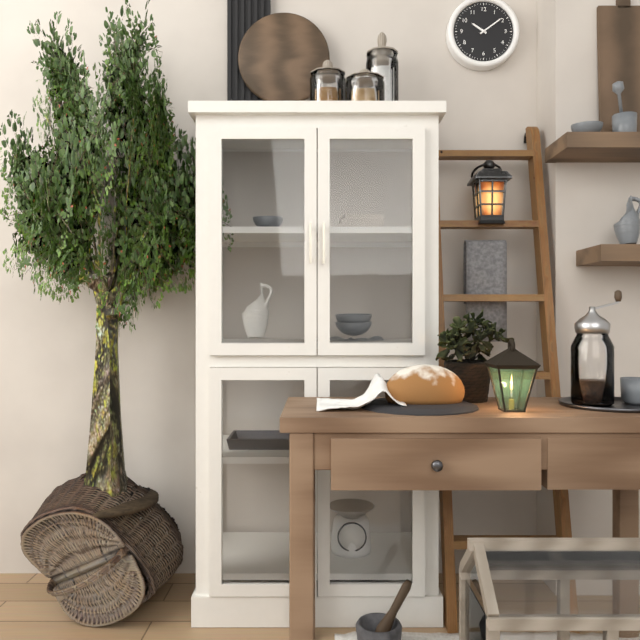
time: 10:09
